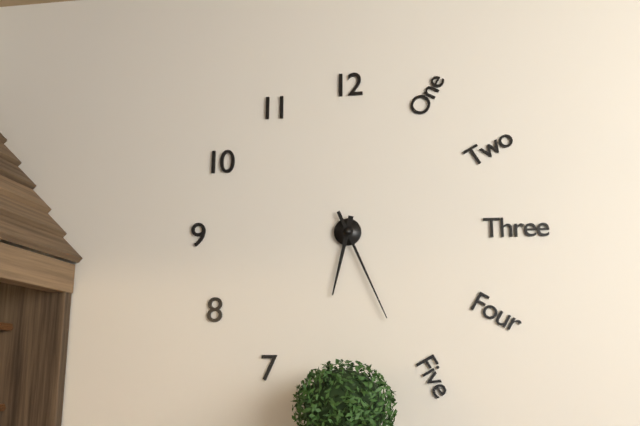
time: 6:26
